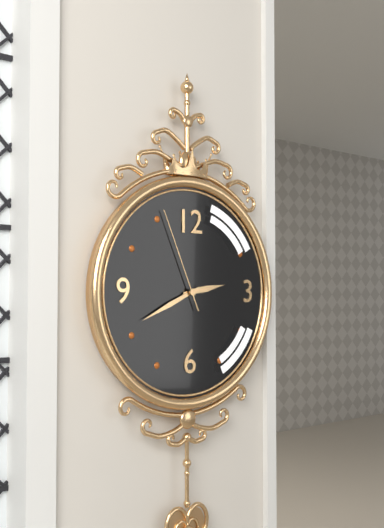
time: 2:41:56
